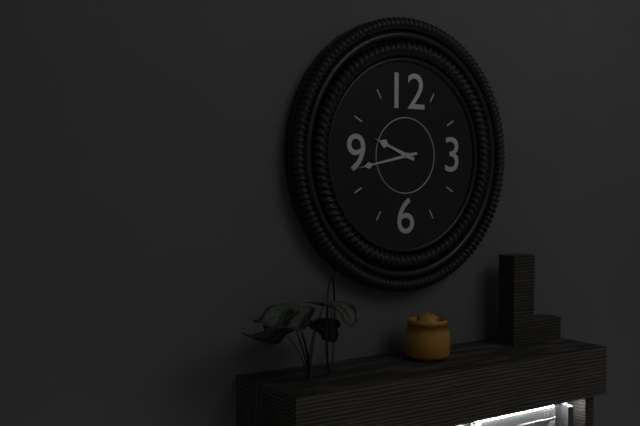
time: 9:43
